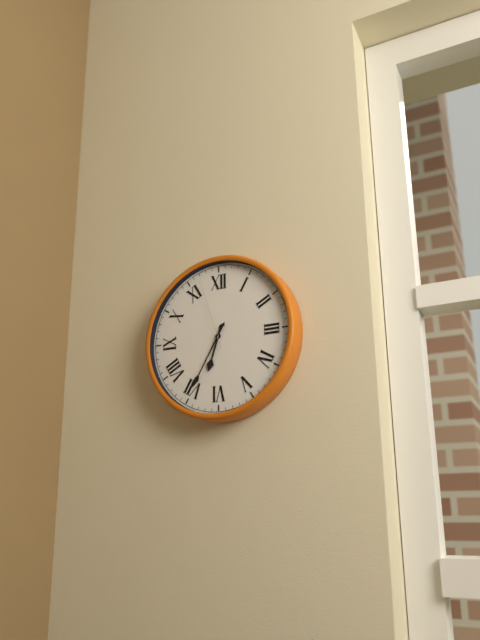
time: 6:35:57
